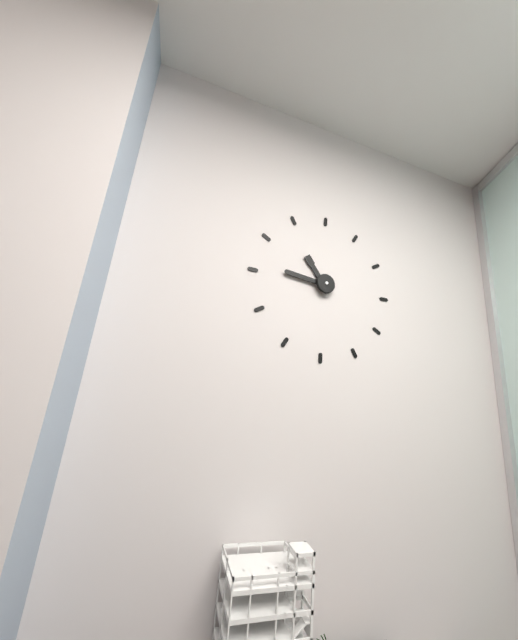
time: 10:46
